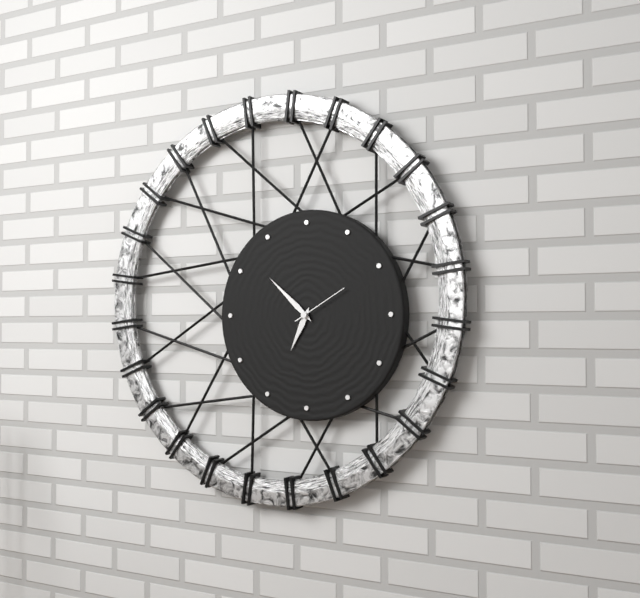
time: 6:52:10
